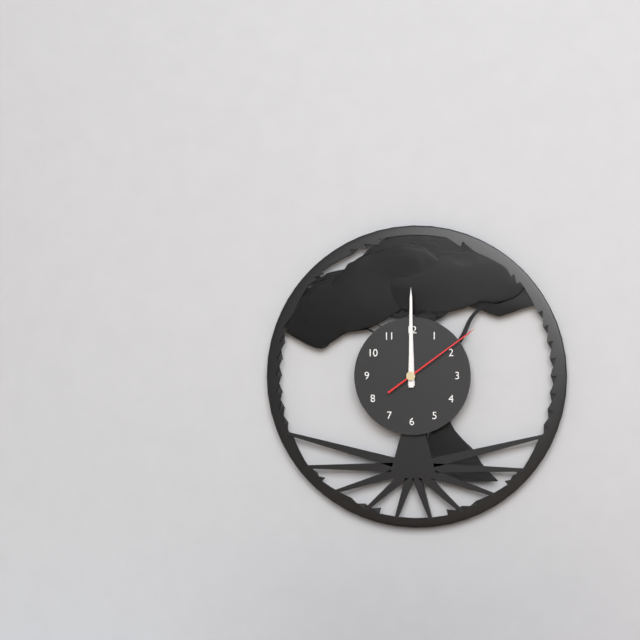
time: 12:00:09
